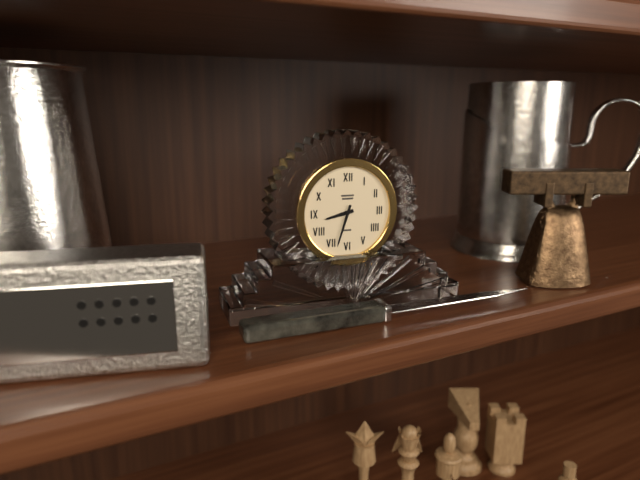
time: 8:33
